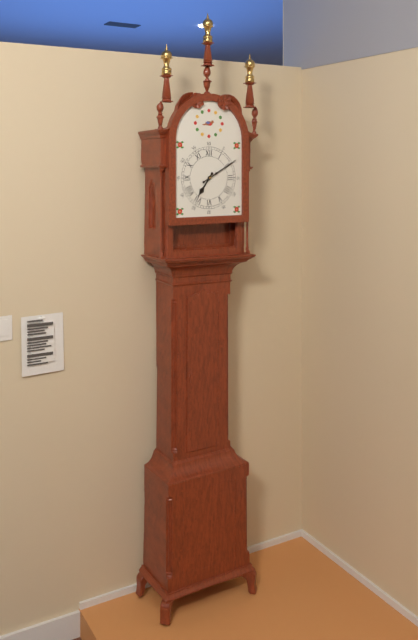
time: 7:10
